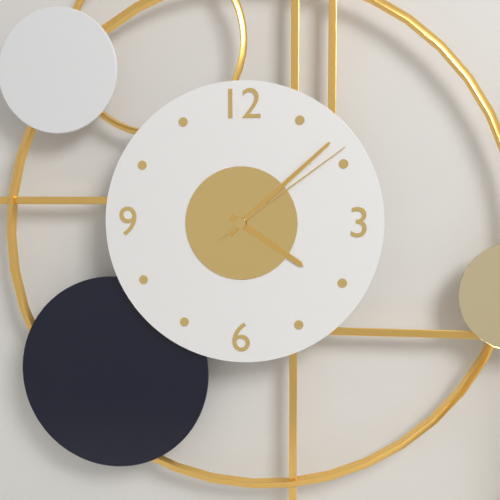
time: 4:08:09
